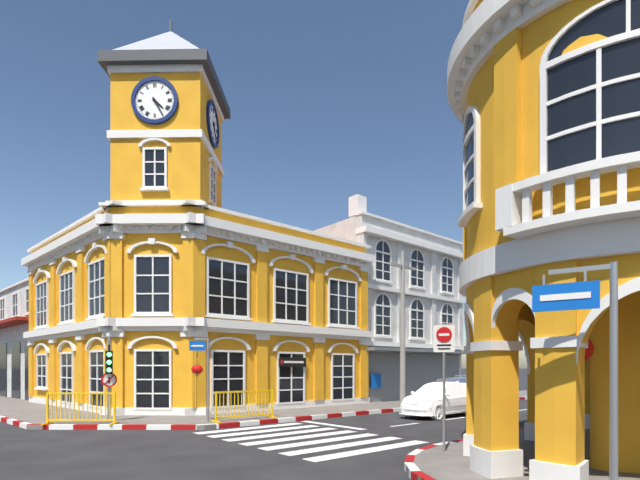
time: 4:25
